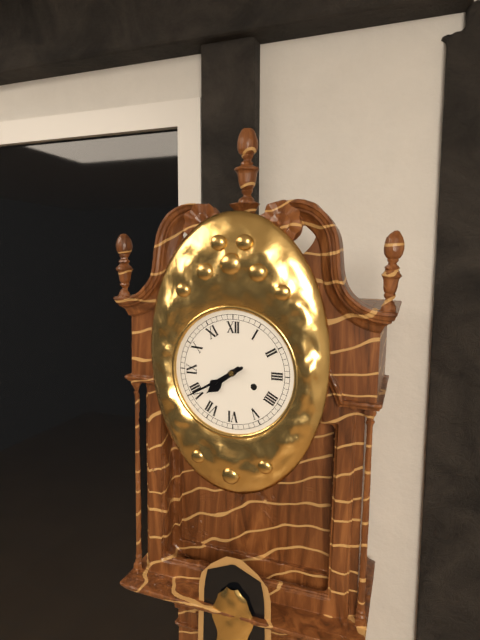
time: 7:40
